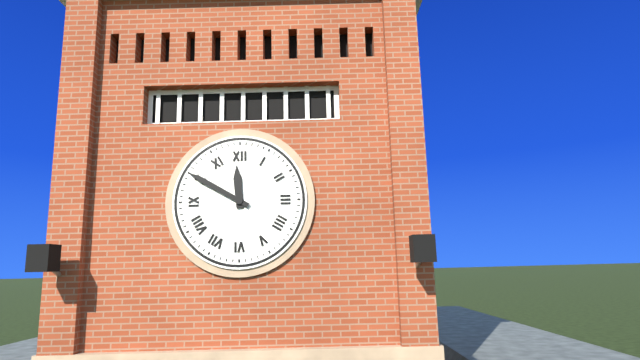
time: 11:50
